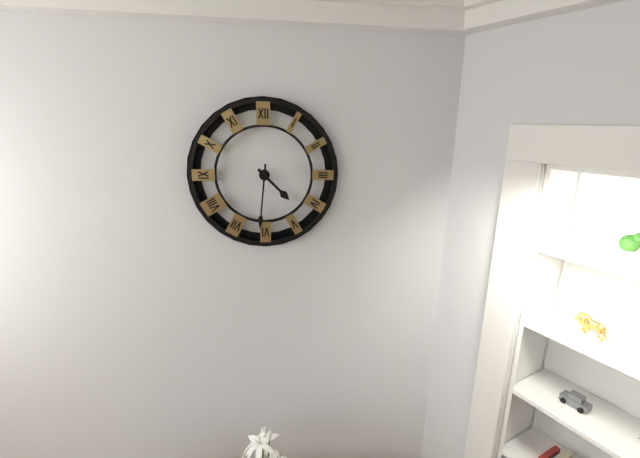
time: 4:31
